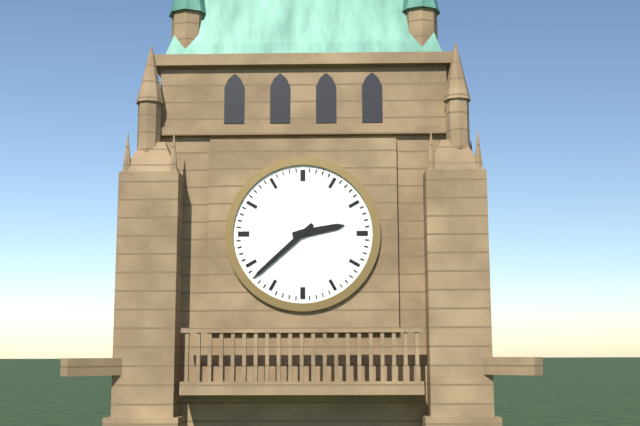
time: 2:38
